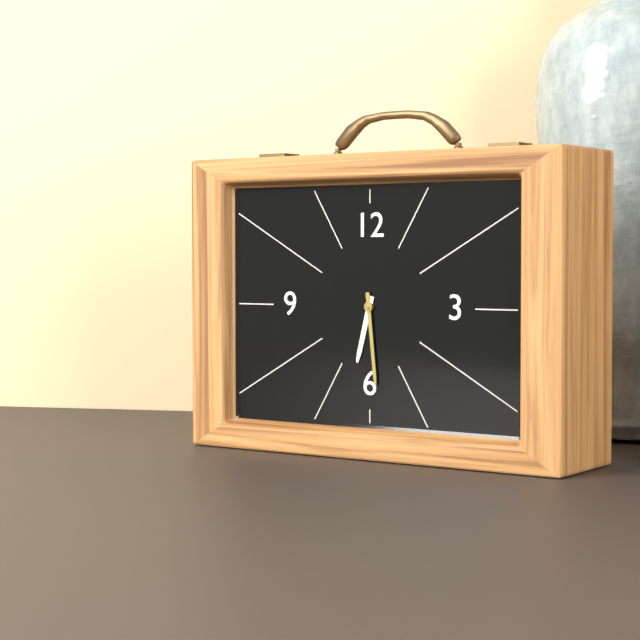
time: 6:29
